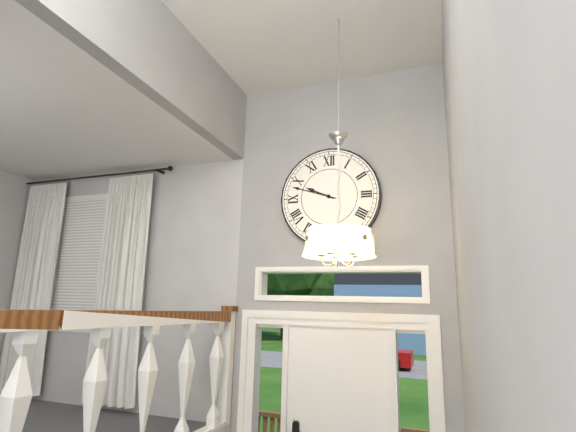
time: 9:48
